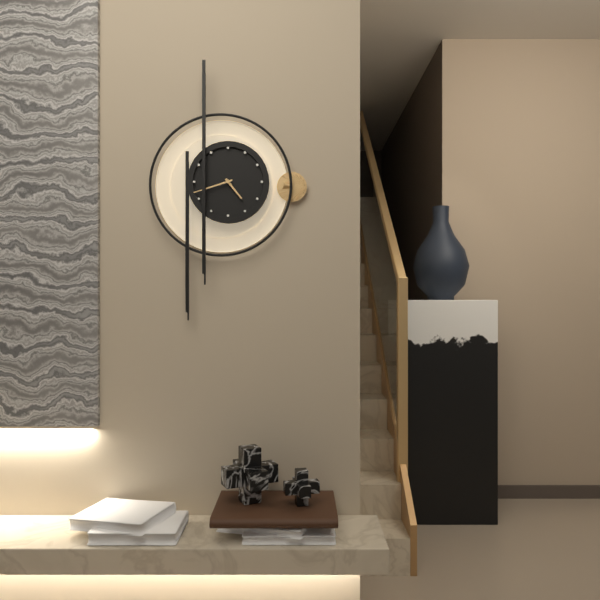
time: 4:42
